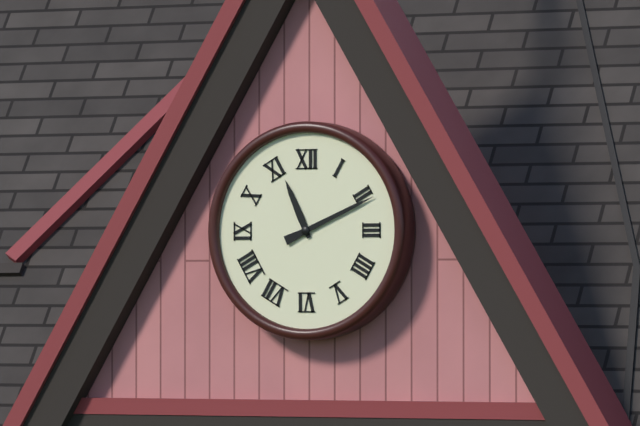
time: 11:11
